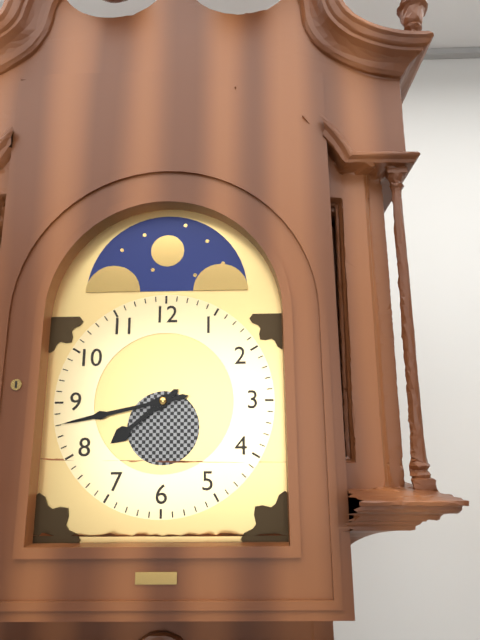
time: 7:43
